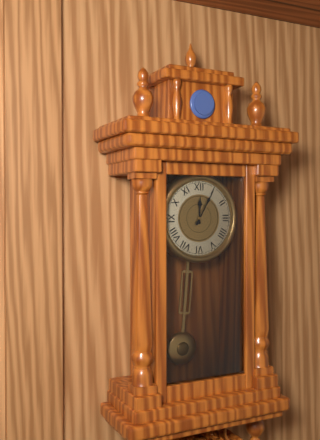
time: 12:05
